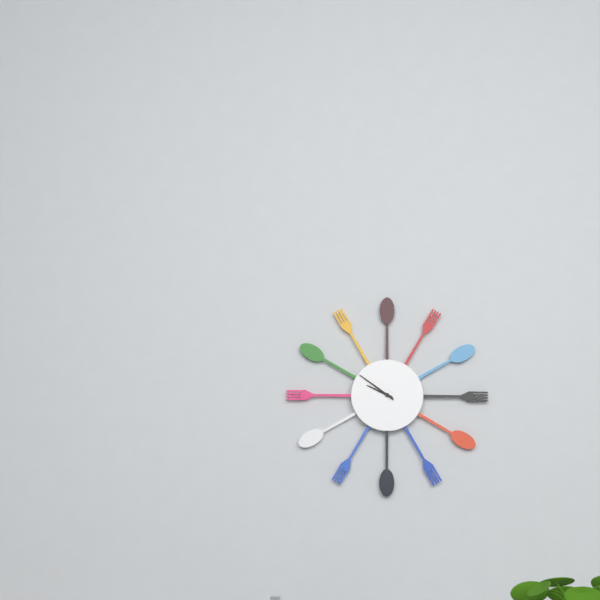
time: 9:51
